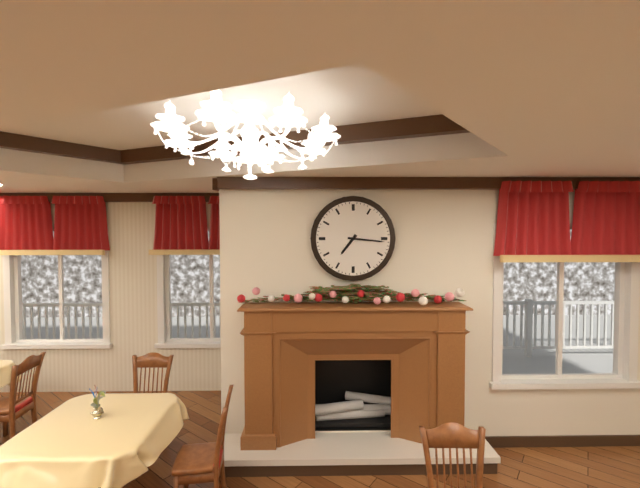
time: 7:16
